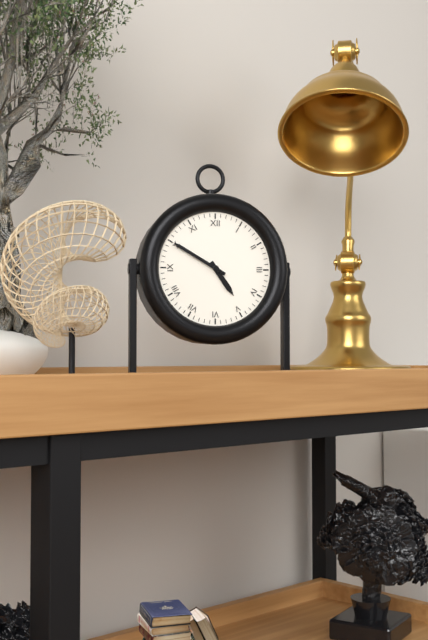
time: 4:50
